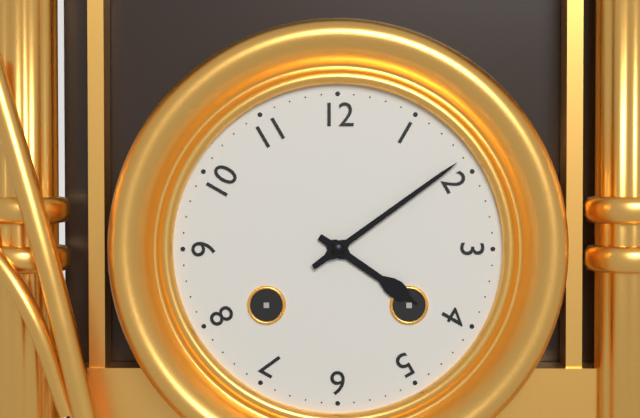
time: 4:09
